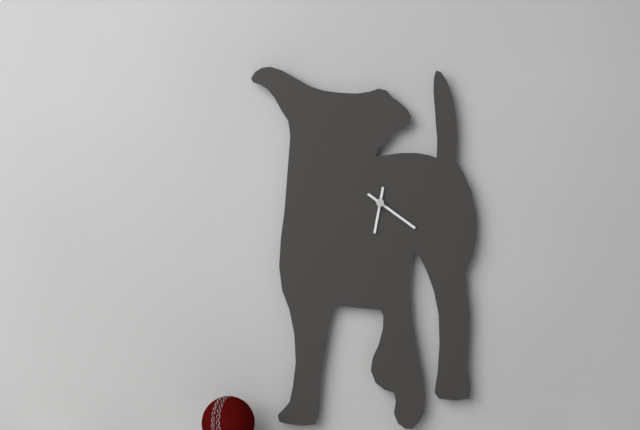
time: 6:21
